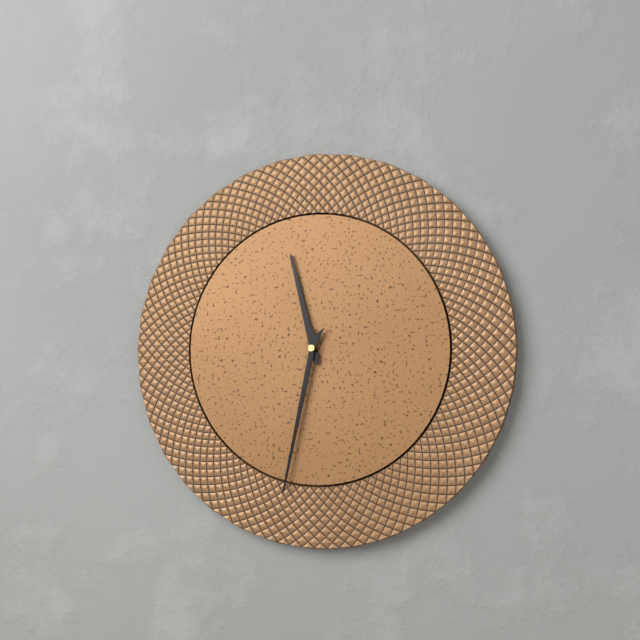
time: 11:32
